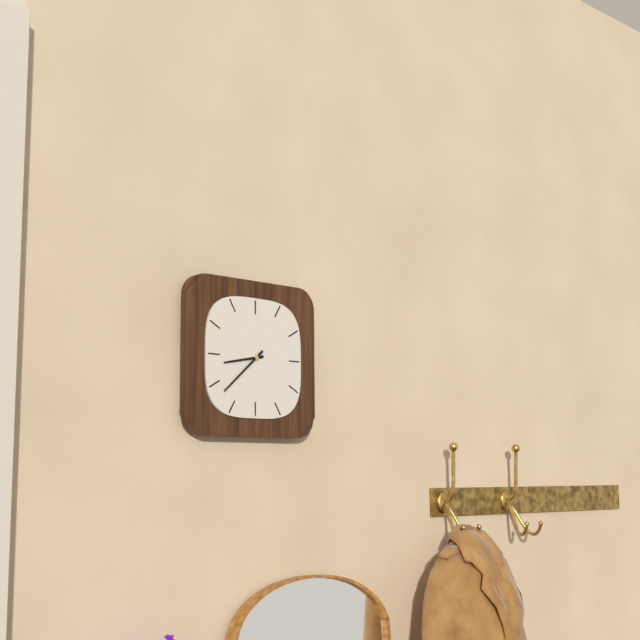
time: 8:38
